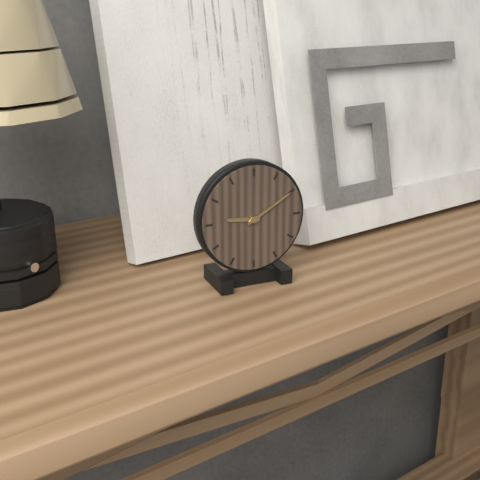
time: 9:10
